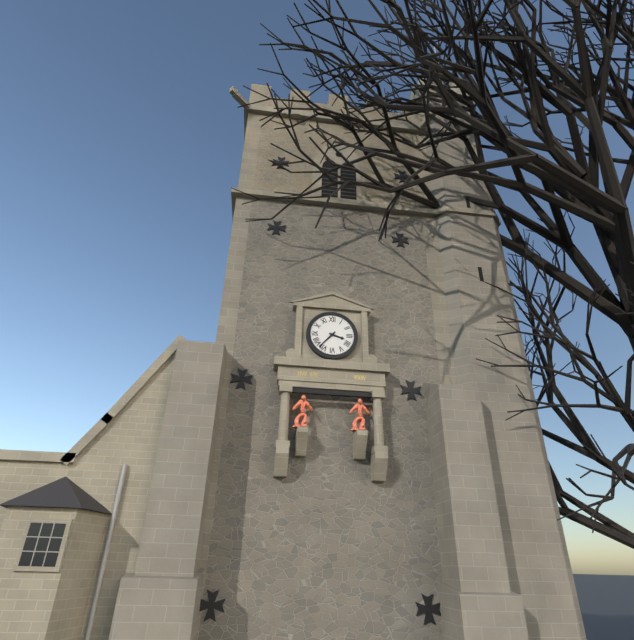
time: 3:37
